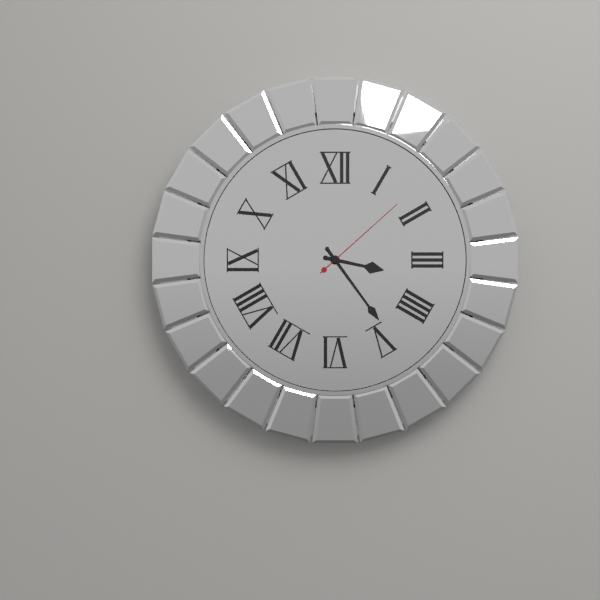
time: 3:24:08
